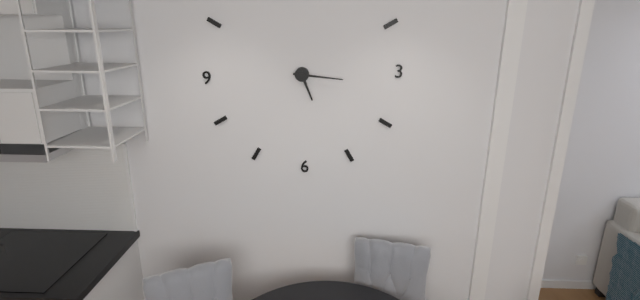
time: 5:16
